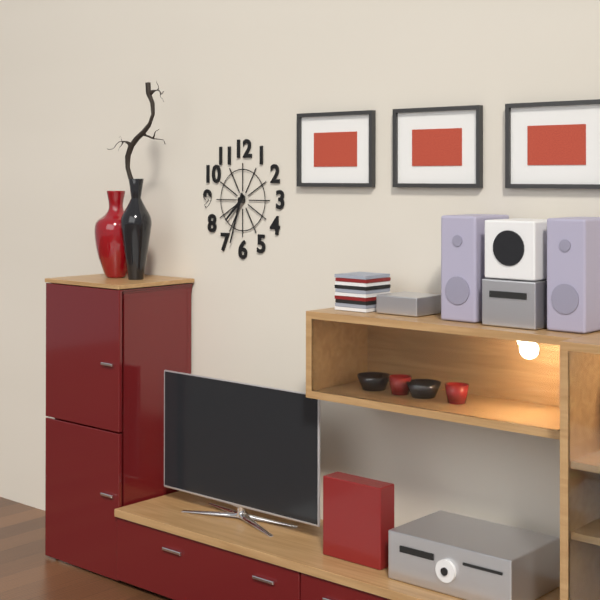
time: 7:33
